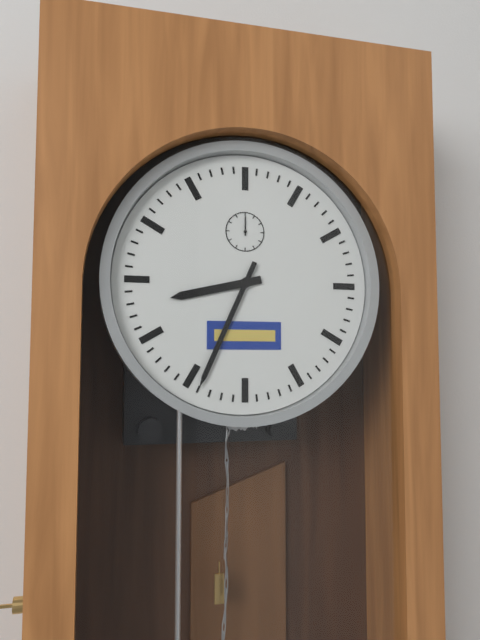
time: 8:34
